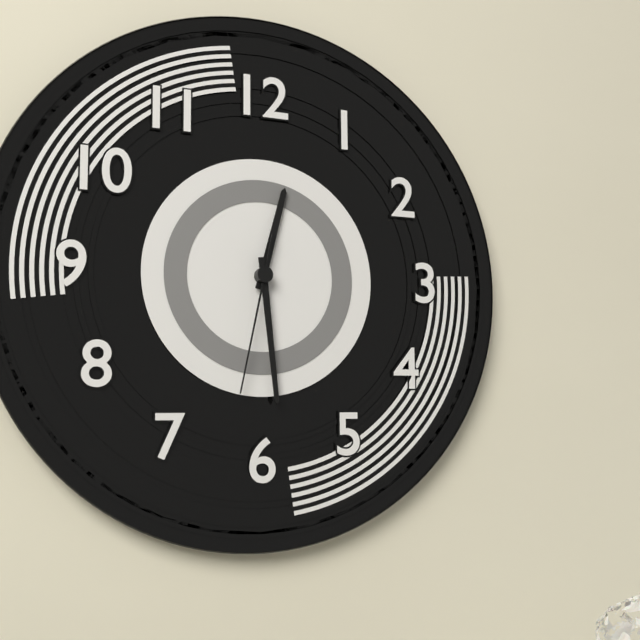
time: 12:29:32
